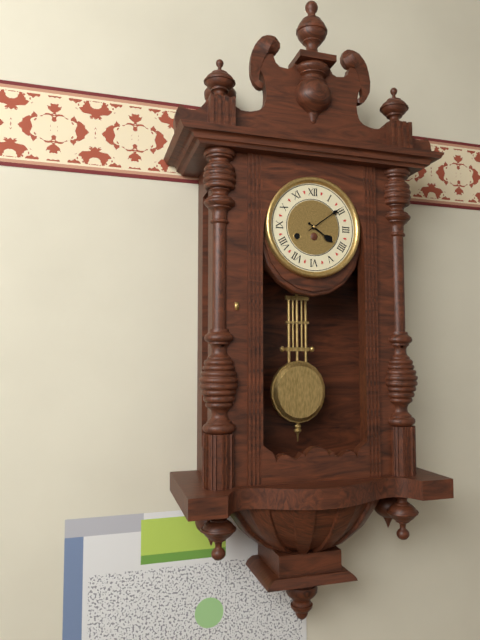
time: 4:09
